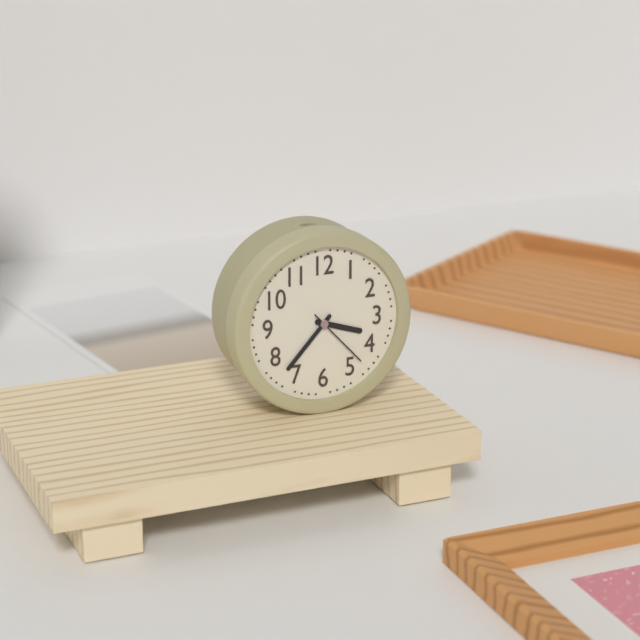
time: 3:37:23
